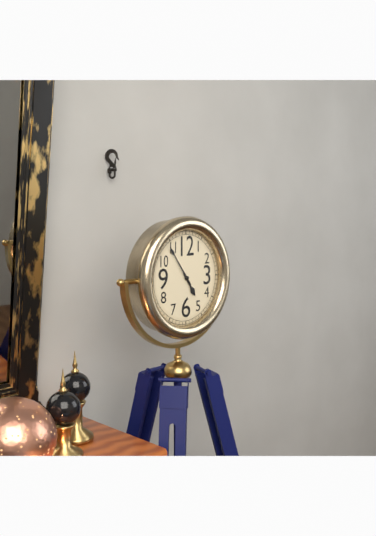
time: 4:54
